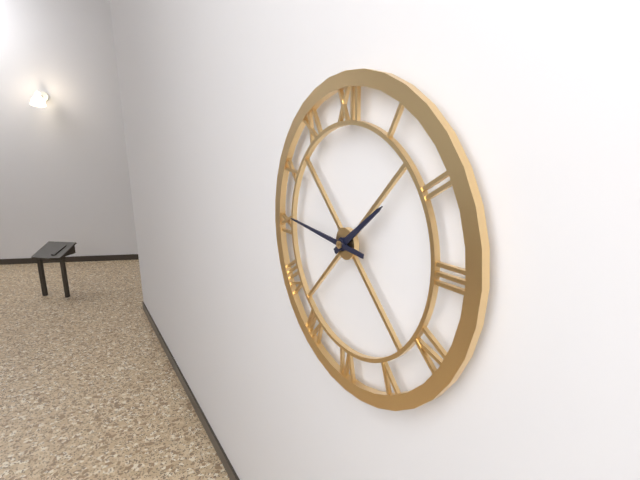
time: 1:46
